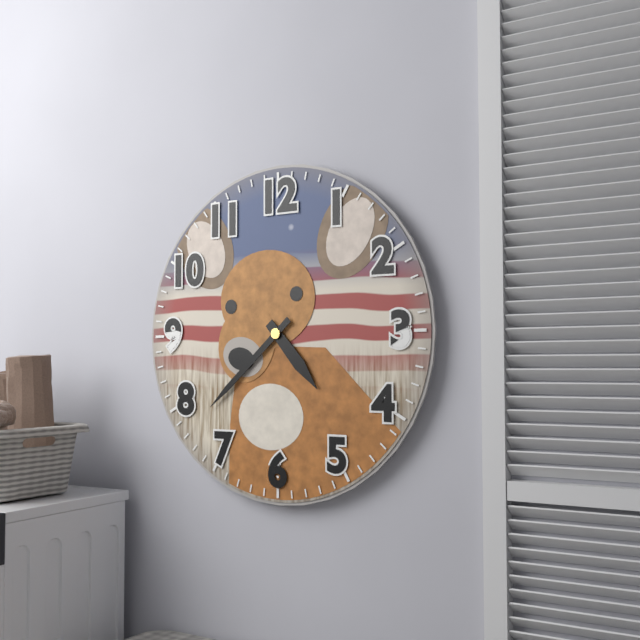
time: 4:38
